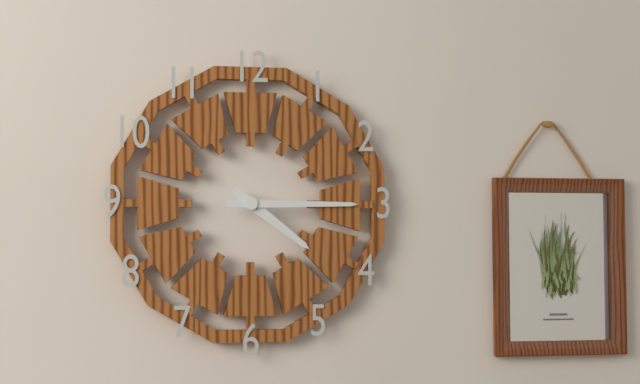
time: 4:15
